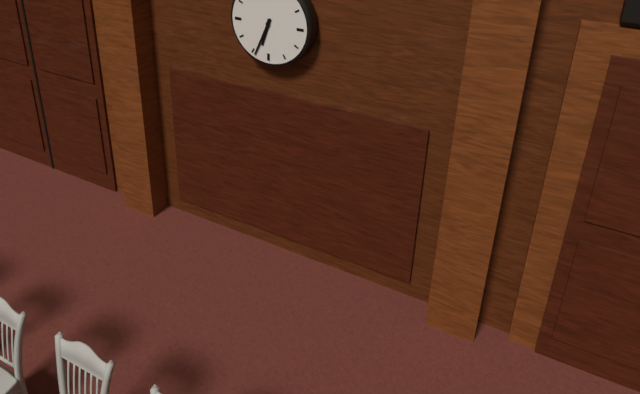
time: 6:34
